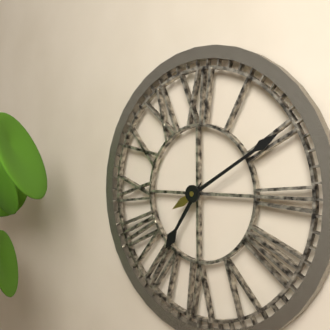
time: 7:10
